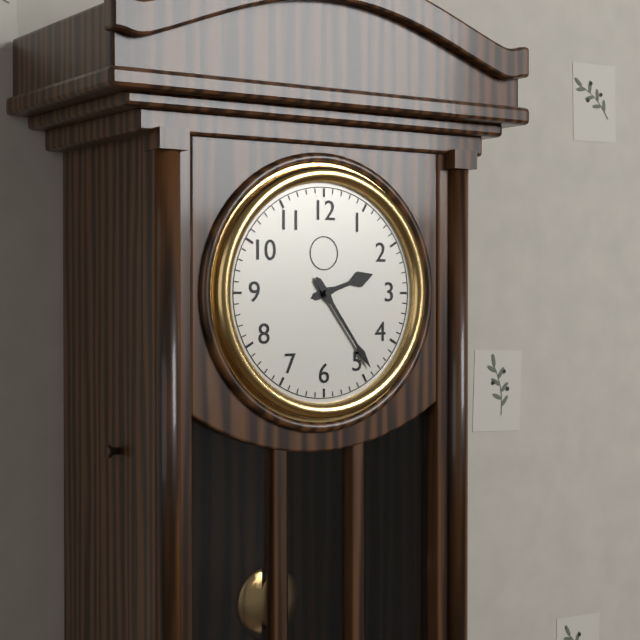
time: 2:24
